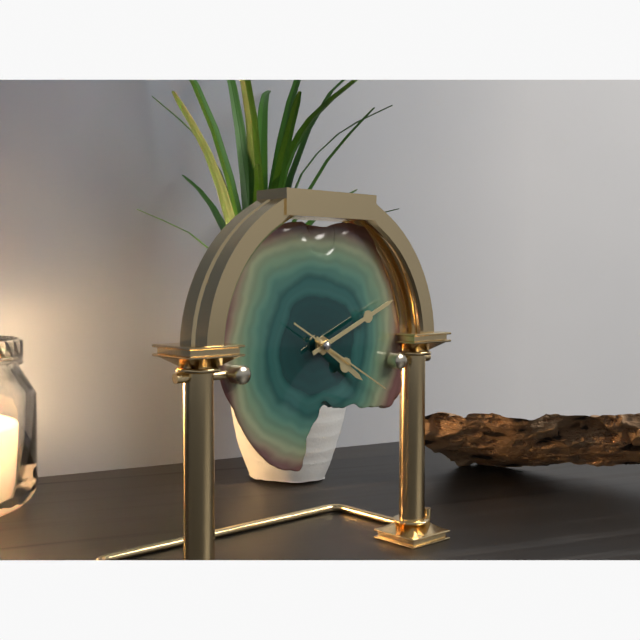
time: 4:11:20
